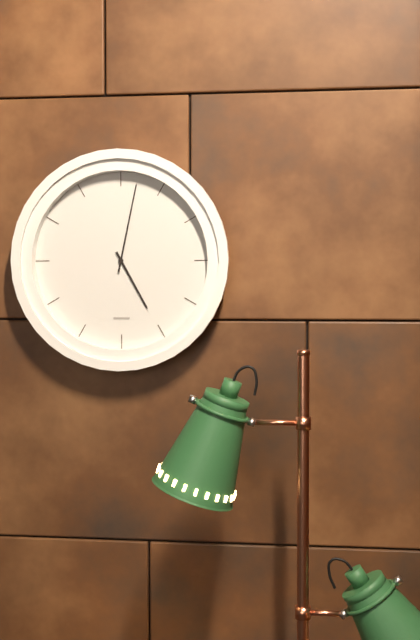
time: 5:02
